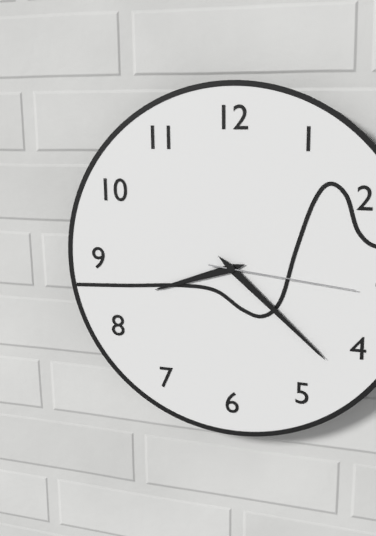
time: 8:22:16
